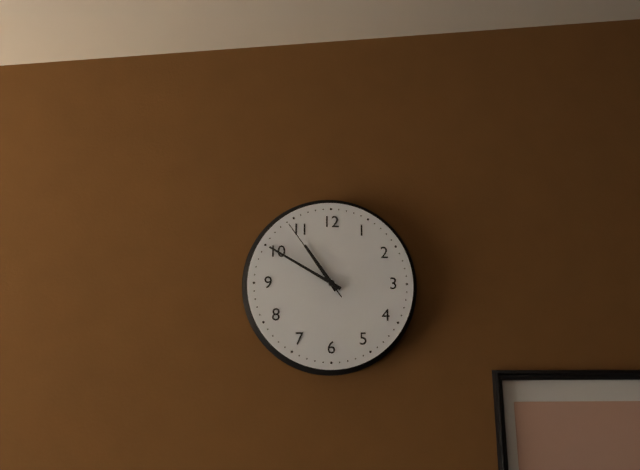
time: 10:50:54
